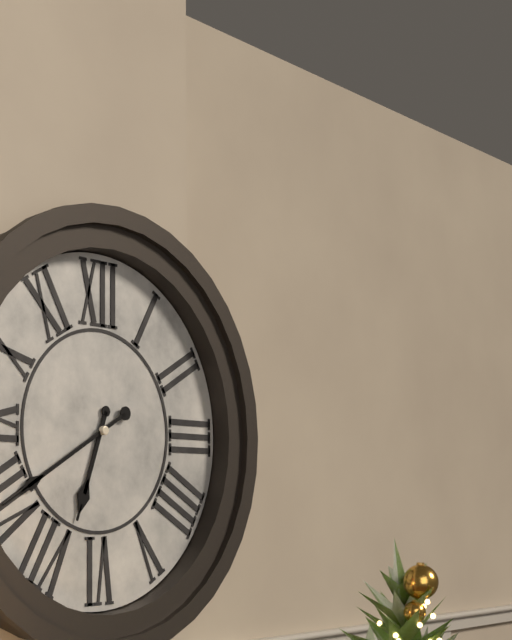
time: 6:40
